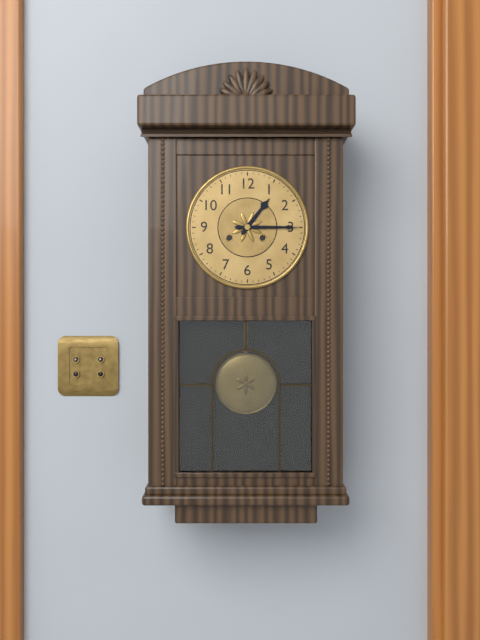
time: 1:15
